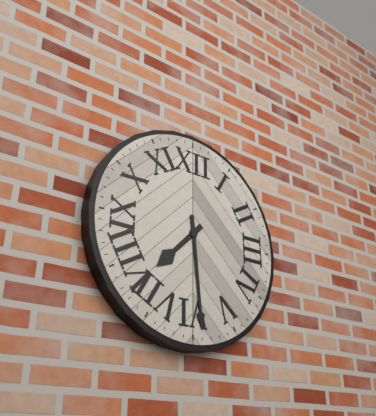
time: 7:29
